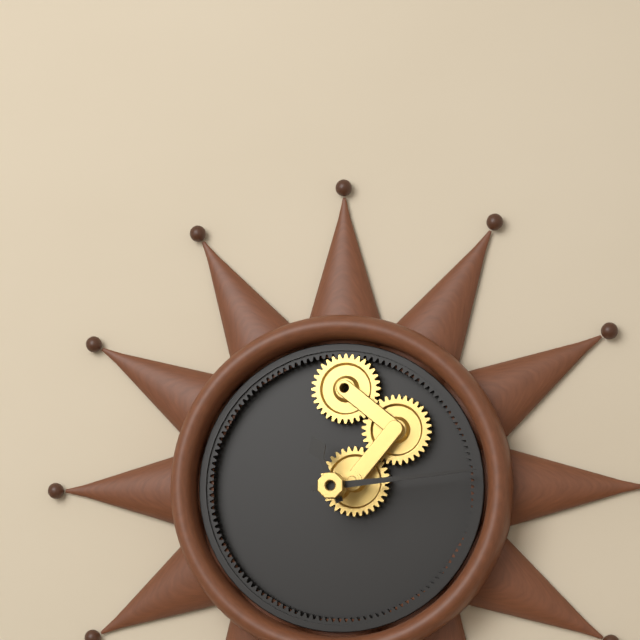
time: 11:14
